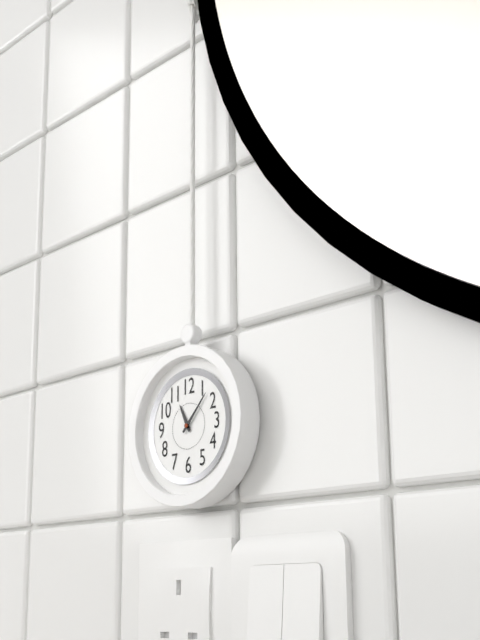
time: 11:07
